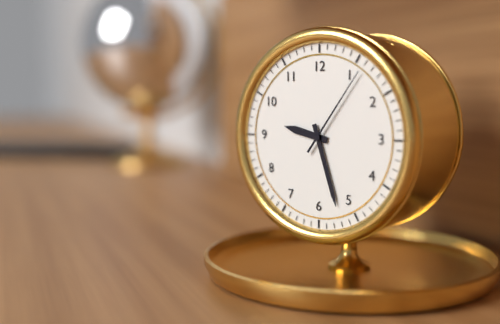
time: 9:27:06
